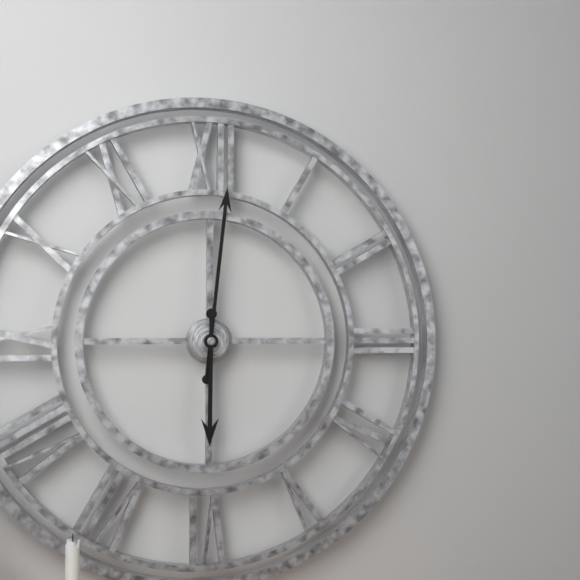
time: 6:01
